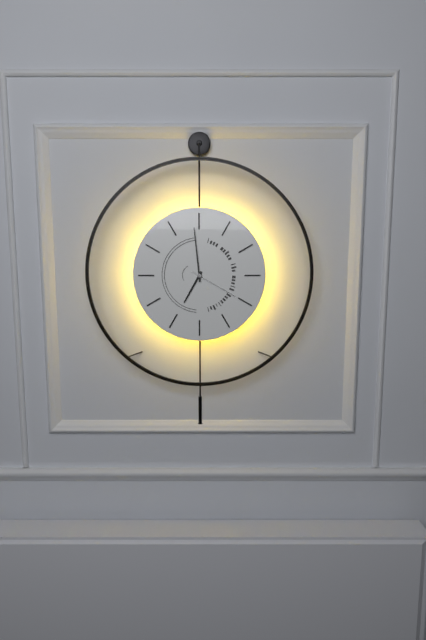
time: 6:59:20
